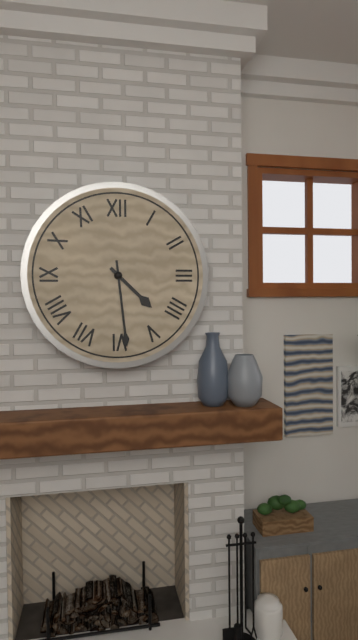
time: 4:29
